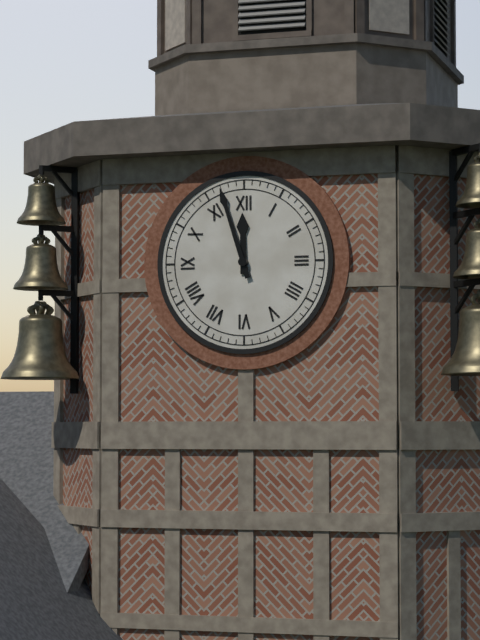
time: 11:57
